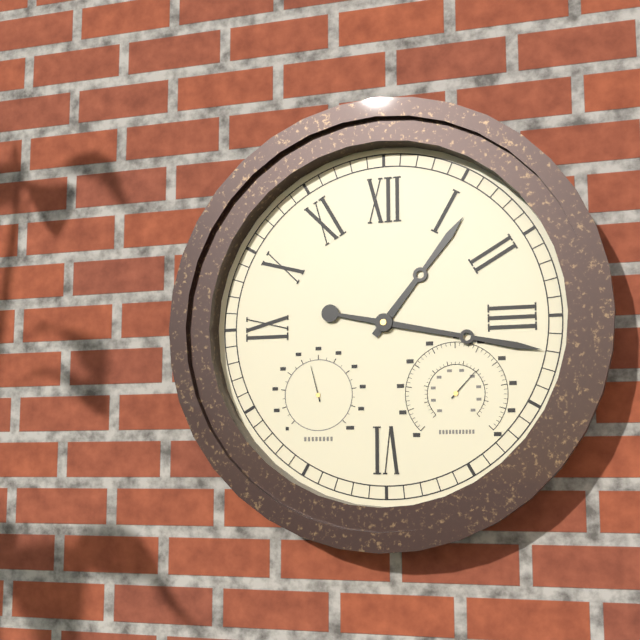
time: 1:17
